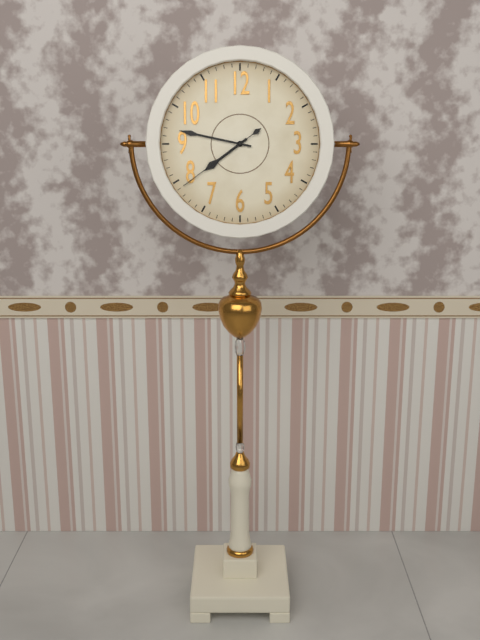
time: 7:47:39
